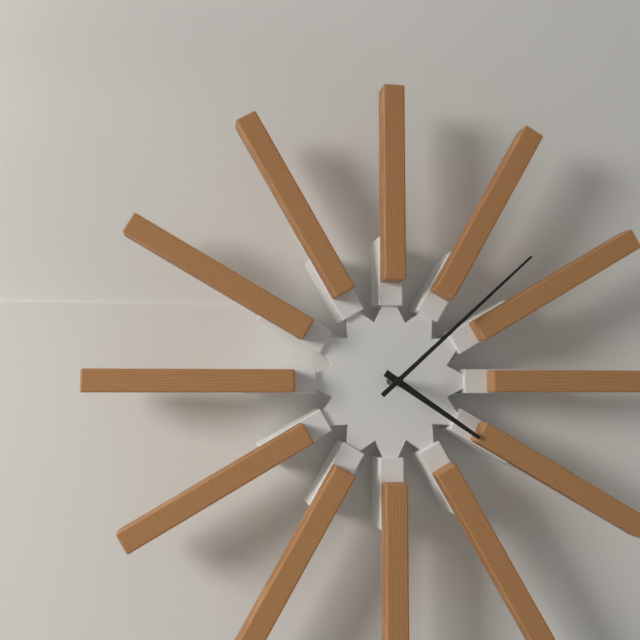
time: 4:08
